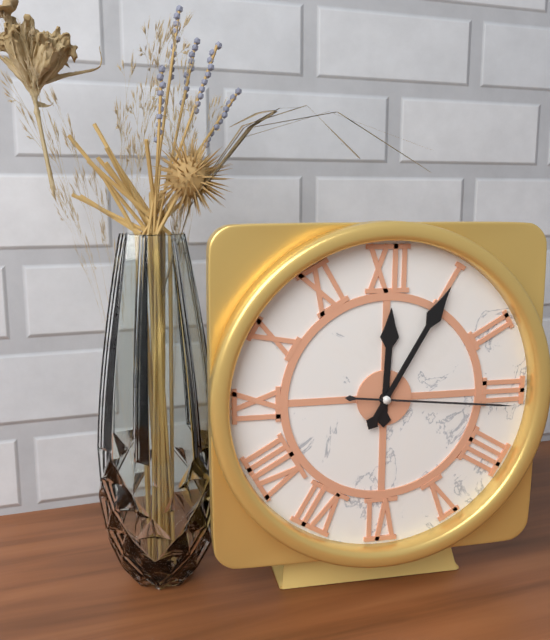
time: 12:05:16
